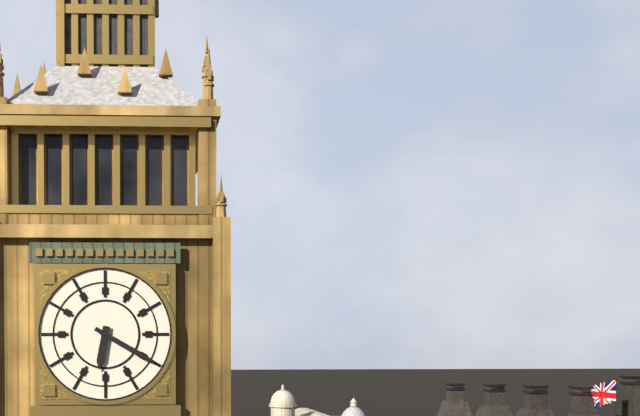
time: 6:20
